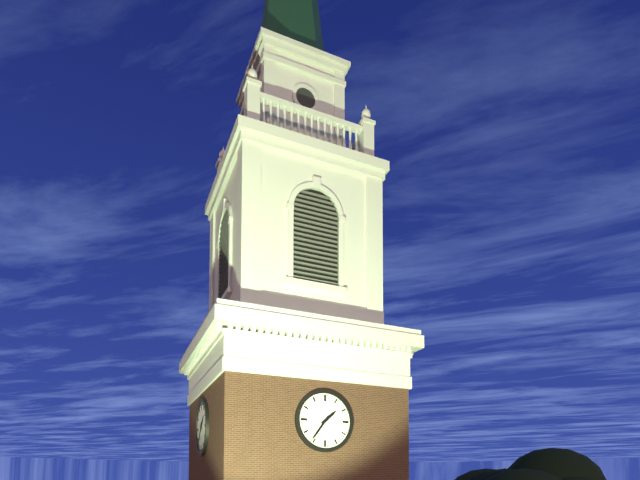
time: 1:36
